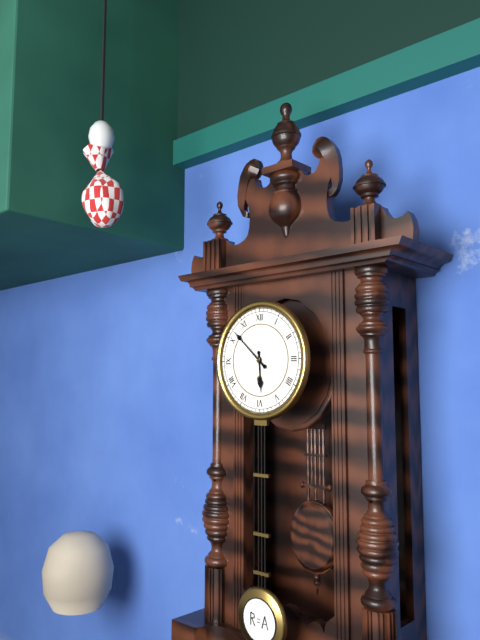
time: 5:52
